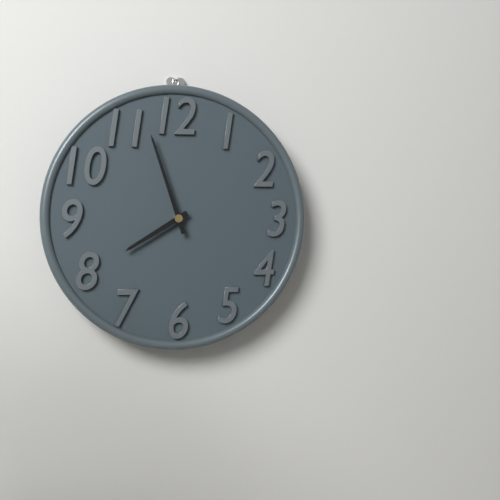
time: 7:57
